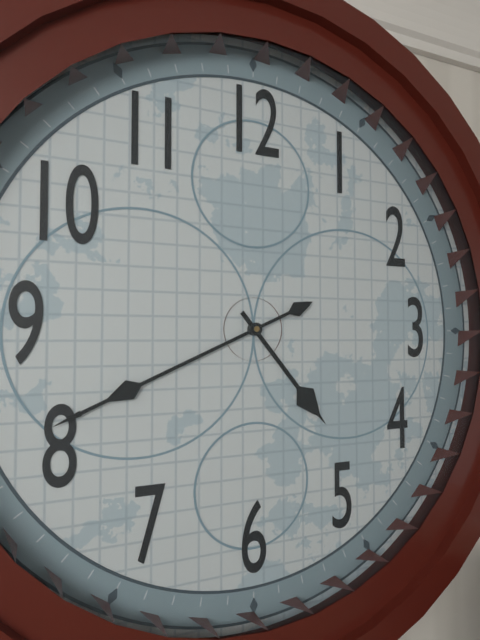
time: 4:41
